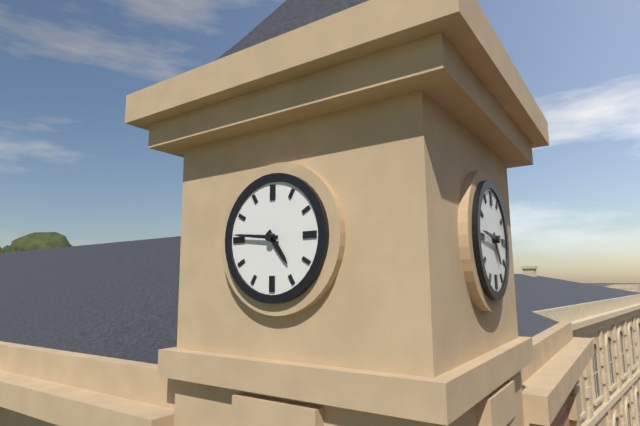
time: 4:46
